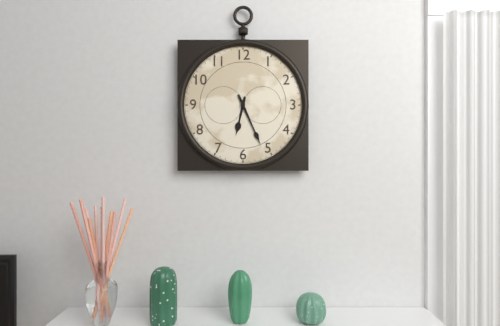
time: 6:26
